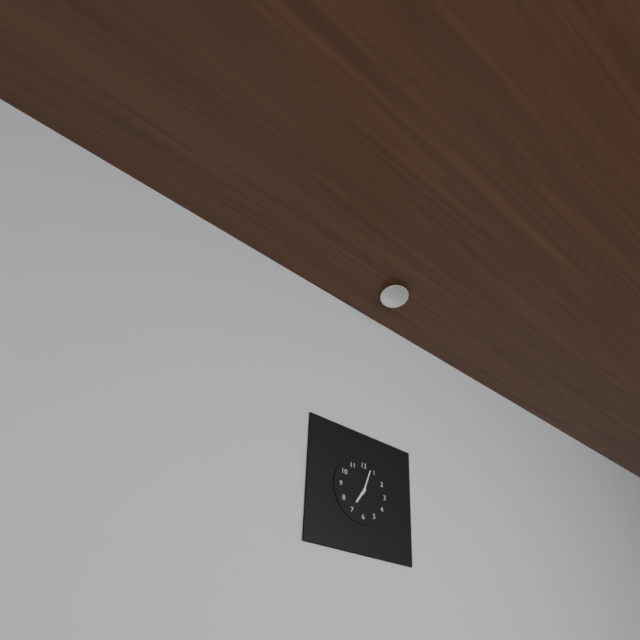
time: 7:03
